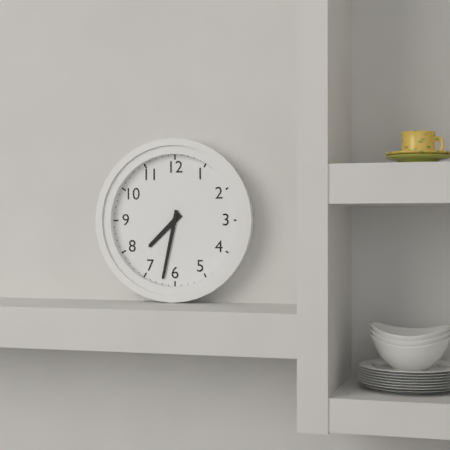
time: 7:32
